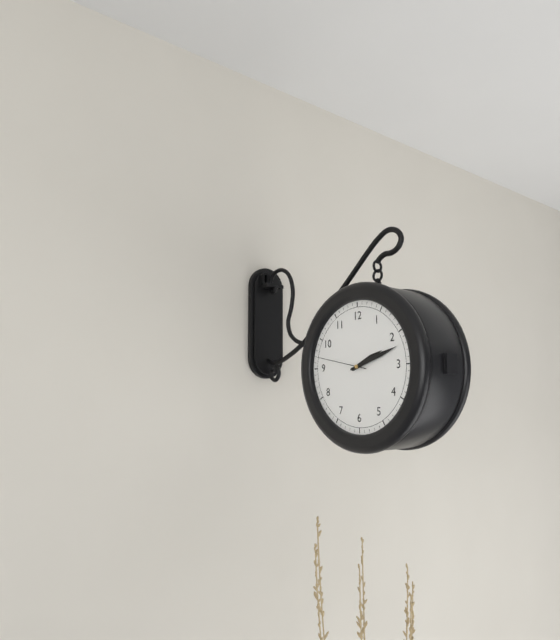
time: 2:12
